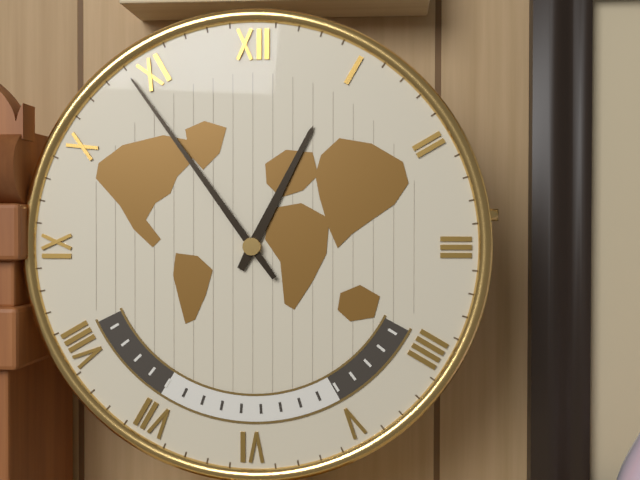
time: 12:54
